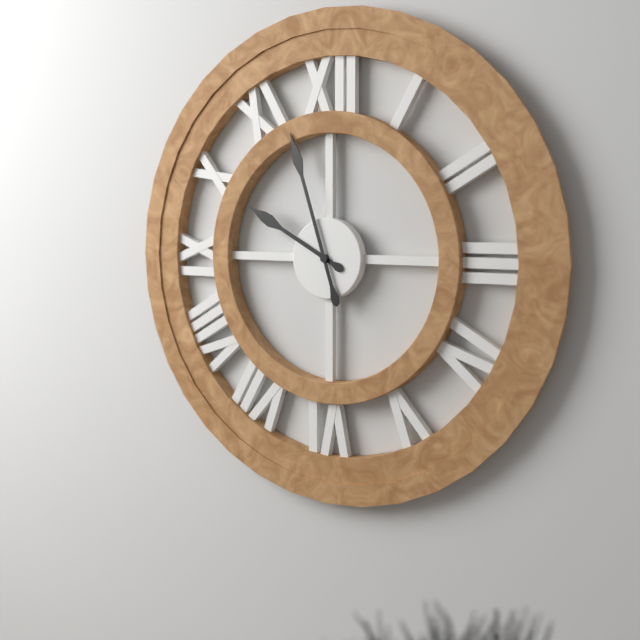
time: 9:57
